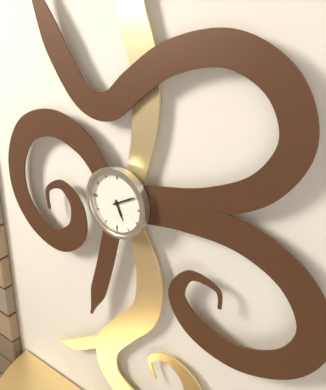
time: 5:10
